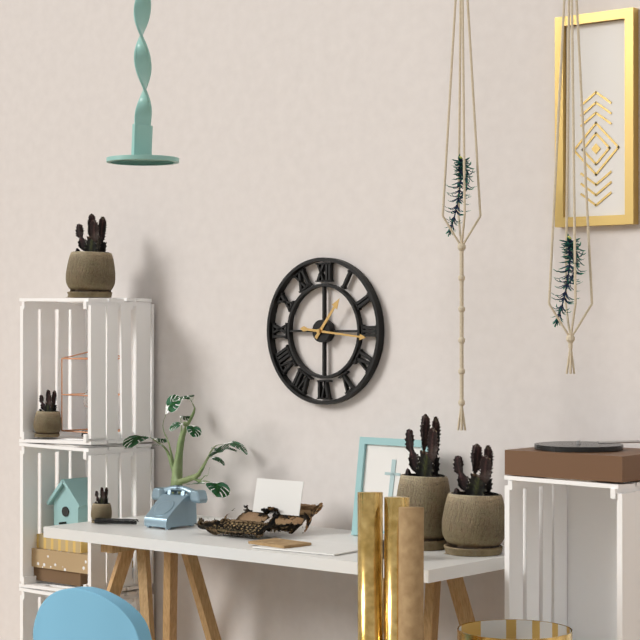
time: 1:16
